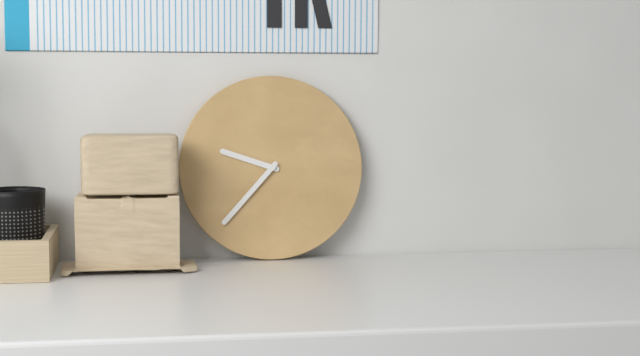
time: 9:37
